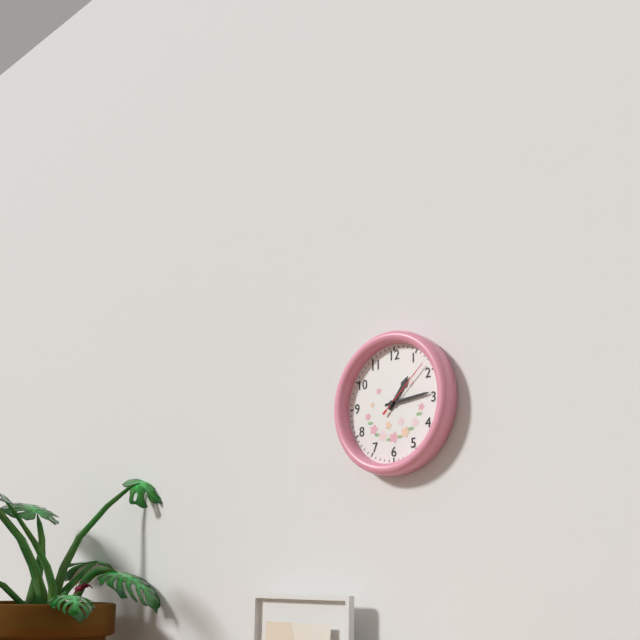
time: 1:14:08
